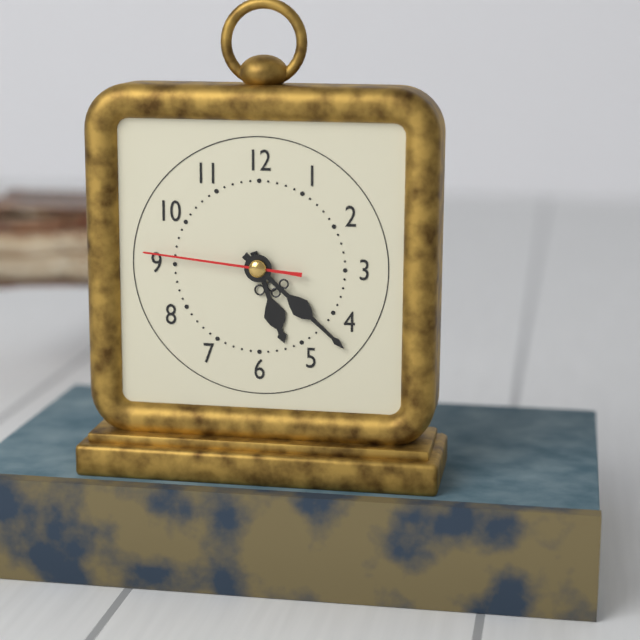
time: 5:22:46
